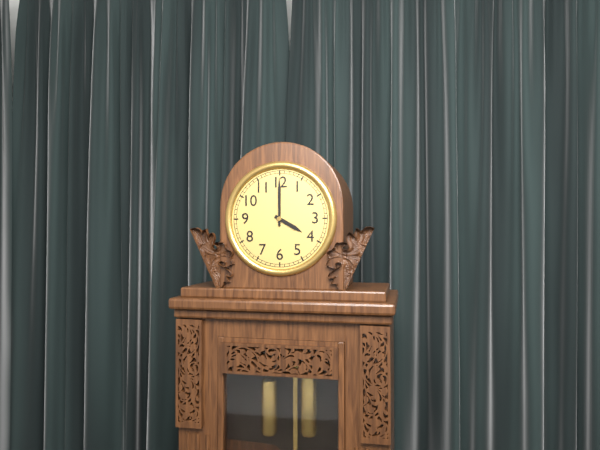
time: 4:00
